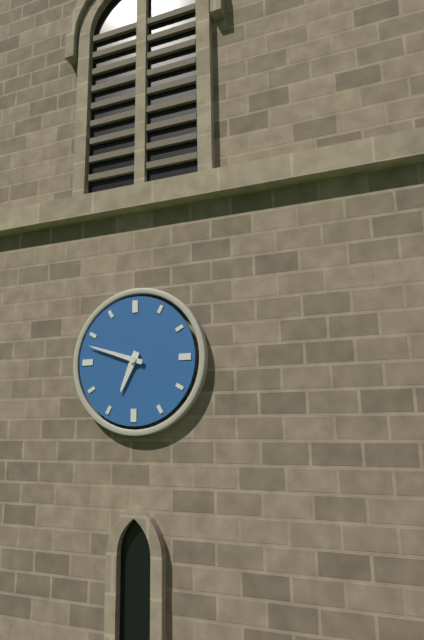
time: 6:48
